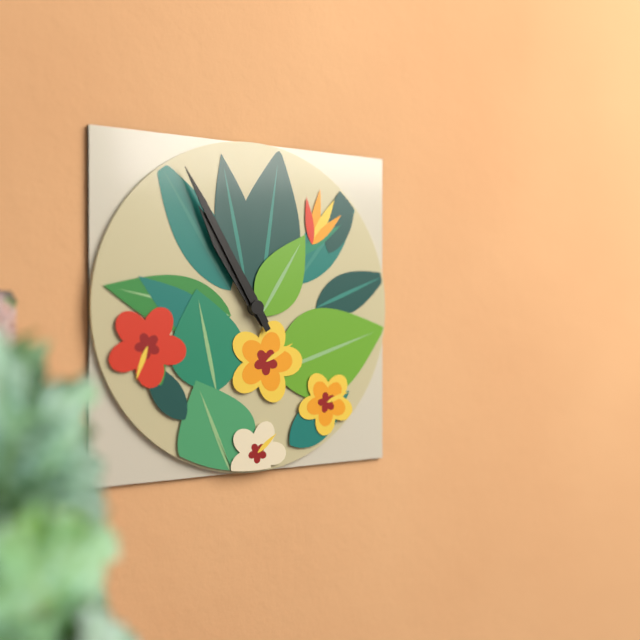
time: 10:55
